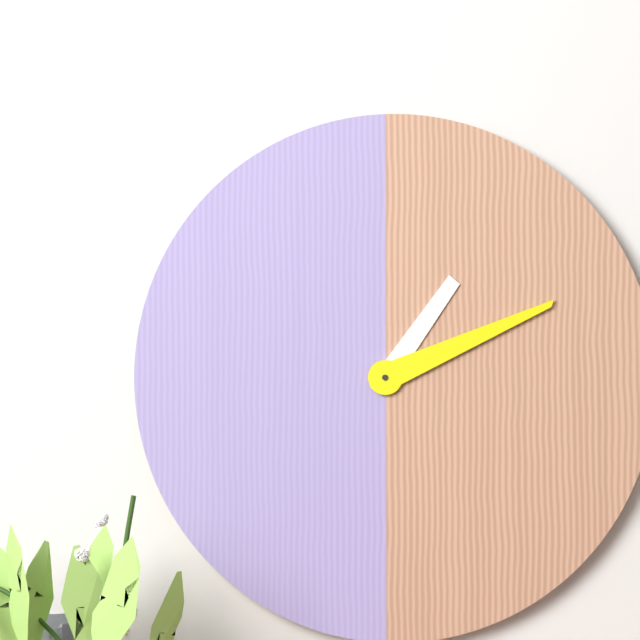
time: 1:11
